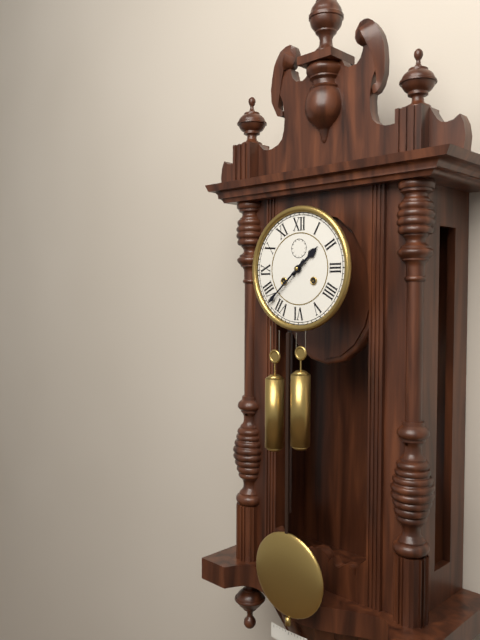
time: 1:38
